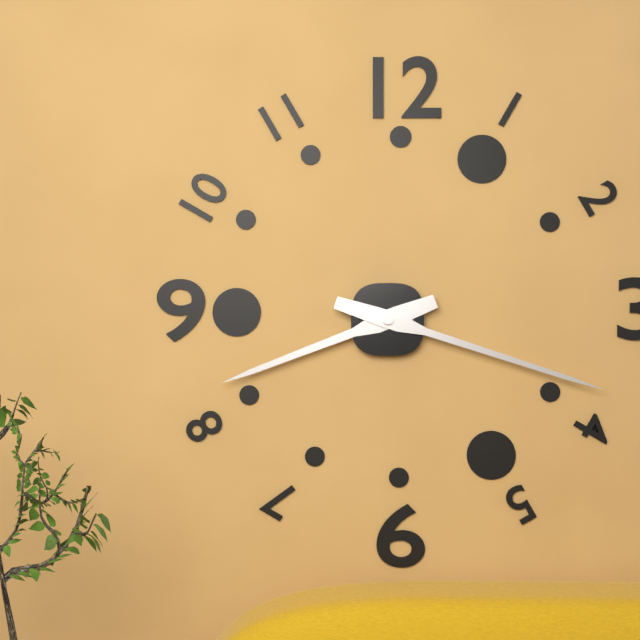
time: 8:18
